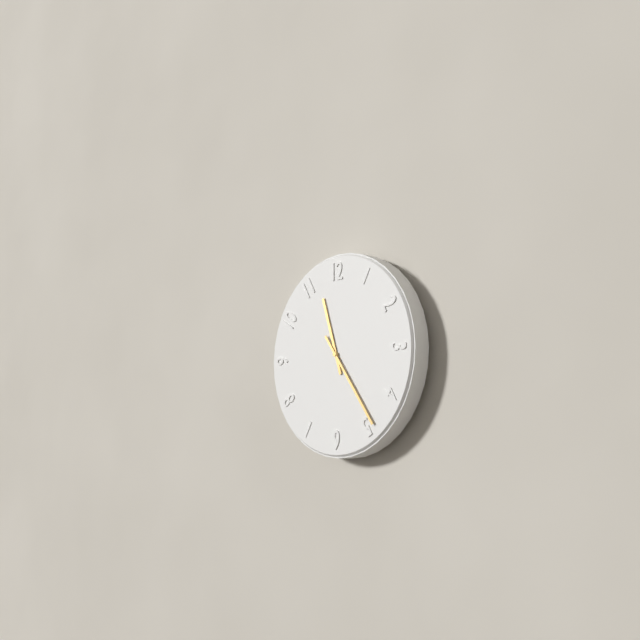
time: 11:24
